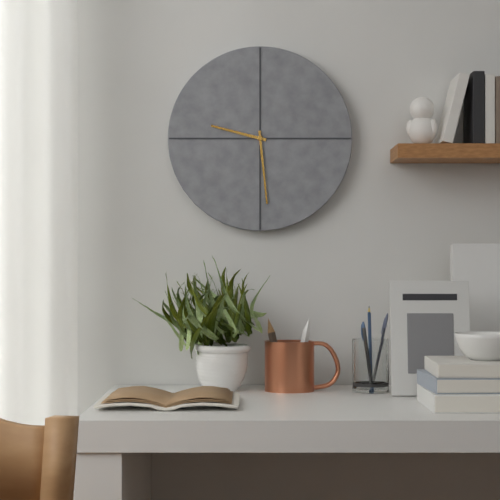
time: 9:29
